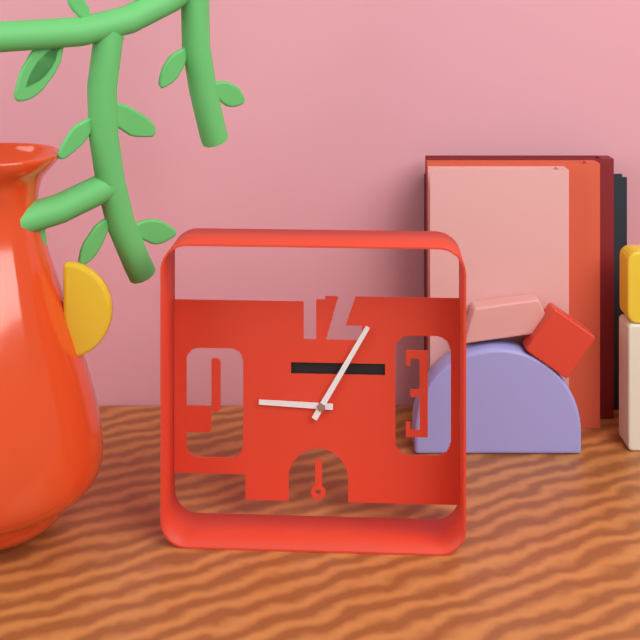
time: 9:05
